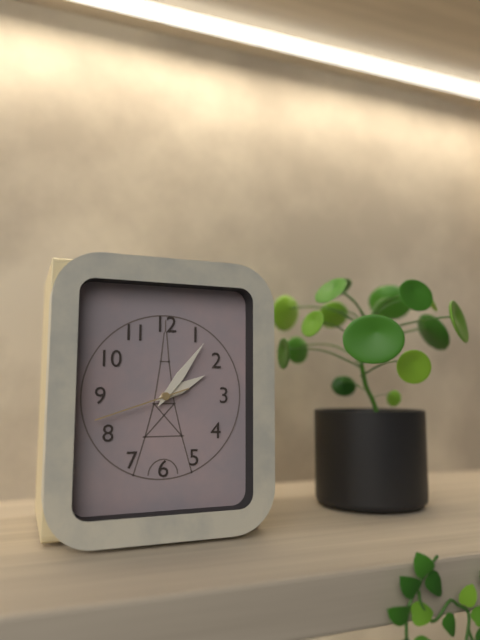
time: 2:06:42
